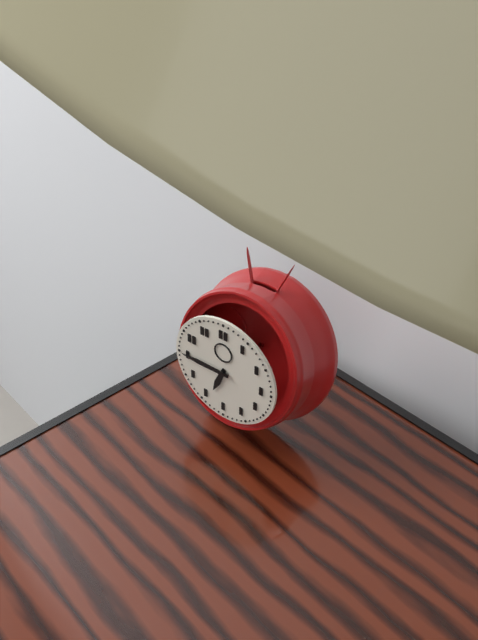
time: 6:45
